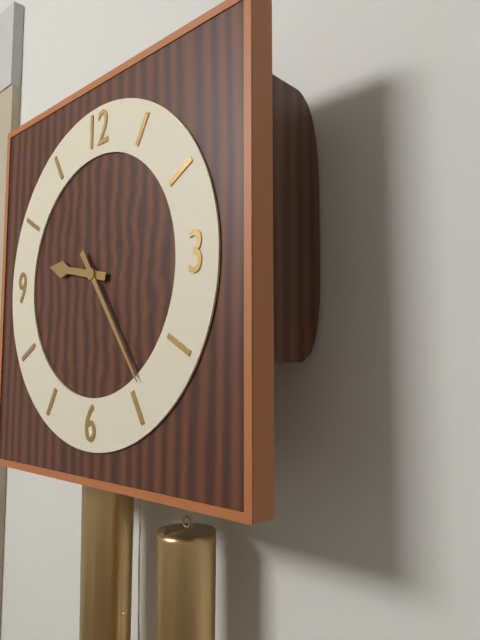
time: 9:24
